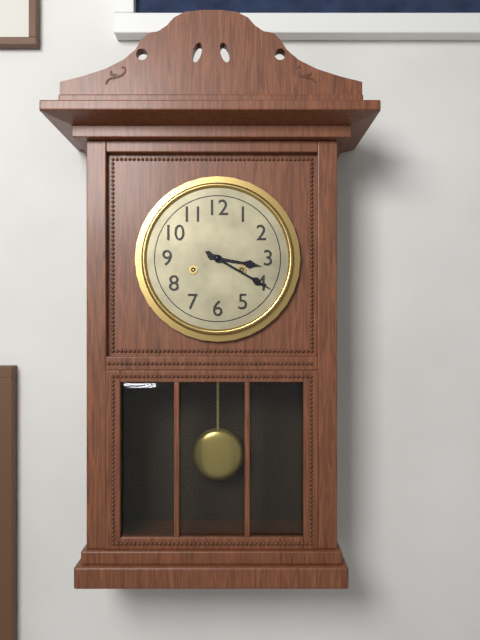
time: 3:20
